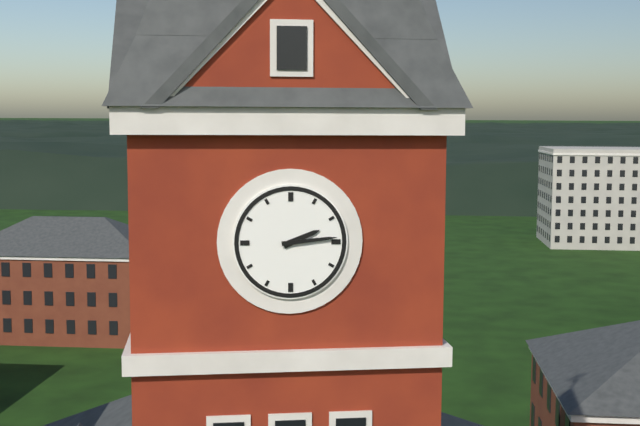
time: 2:14
